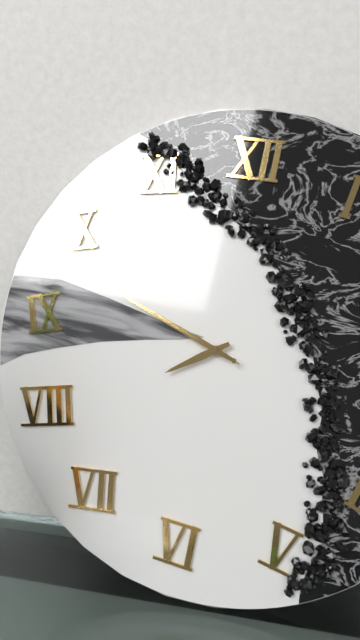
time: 7:48:48
